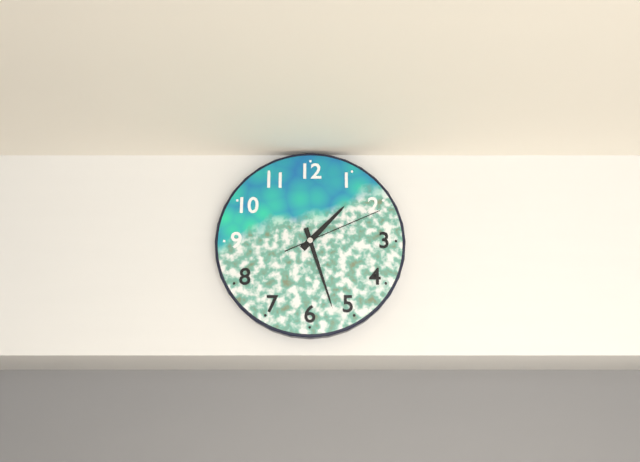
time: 1:27:11
